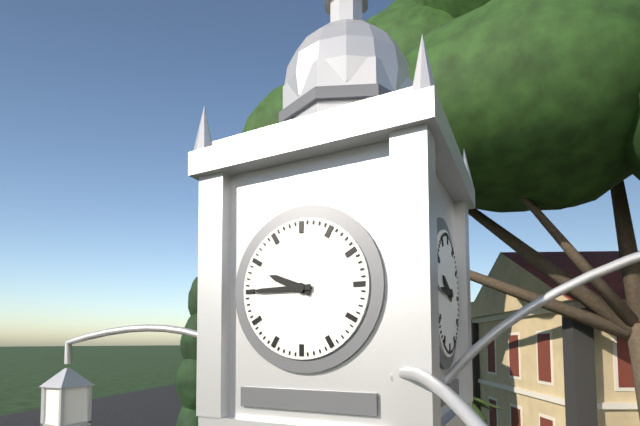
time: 9:45
